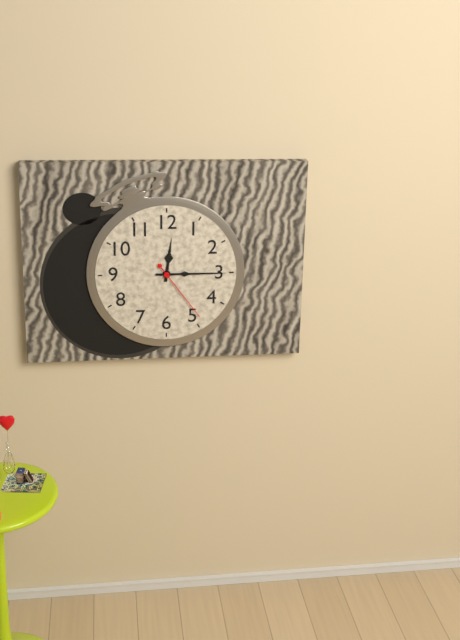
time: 12:15:24
